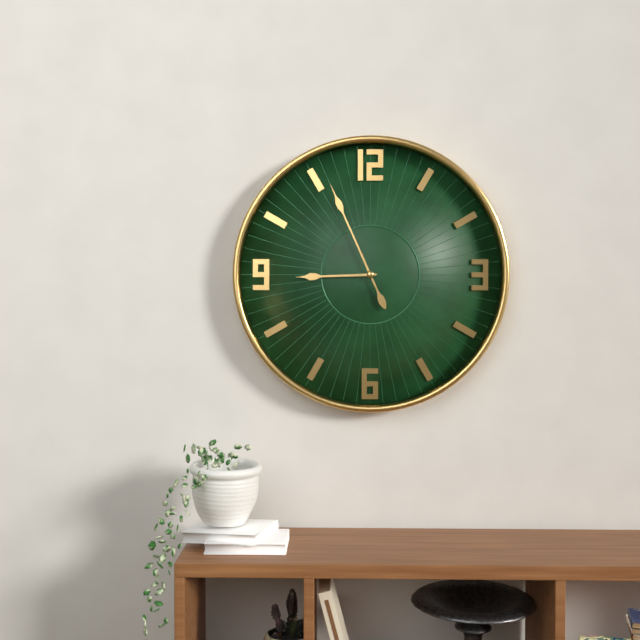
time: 8:56
